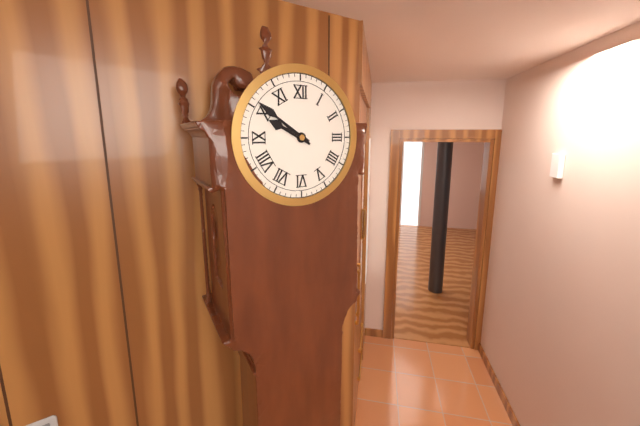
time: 9:51
